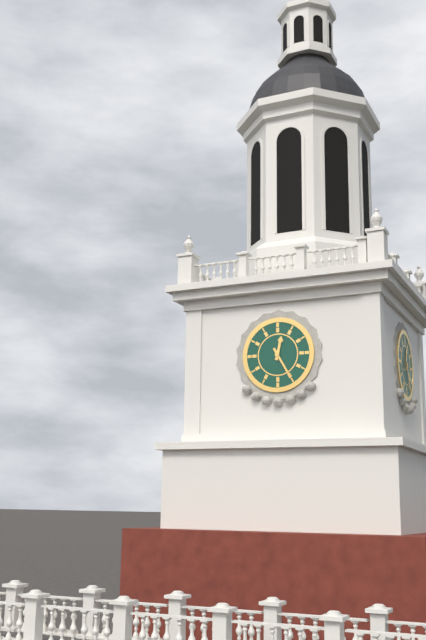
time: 12:25
